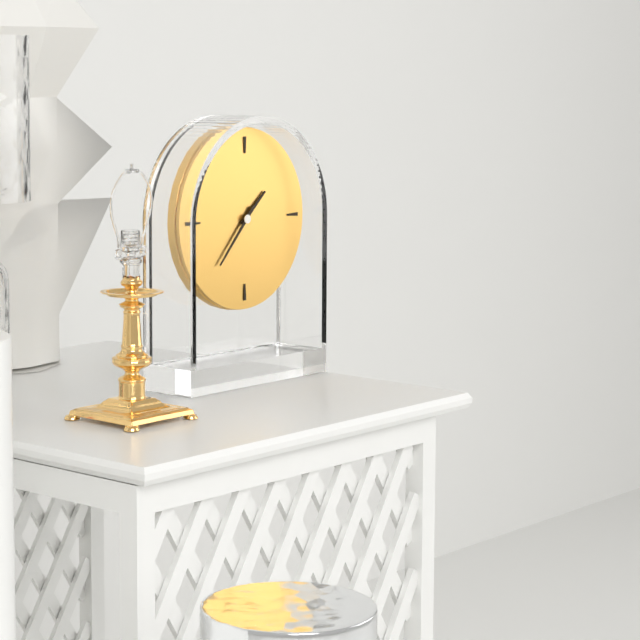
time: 1:37
